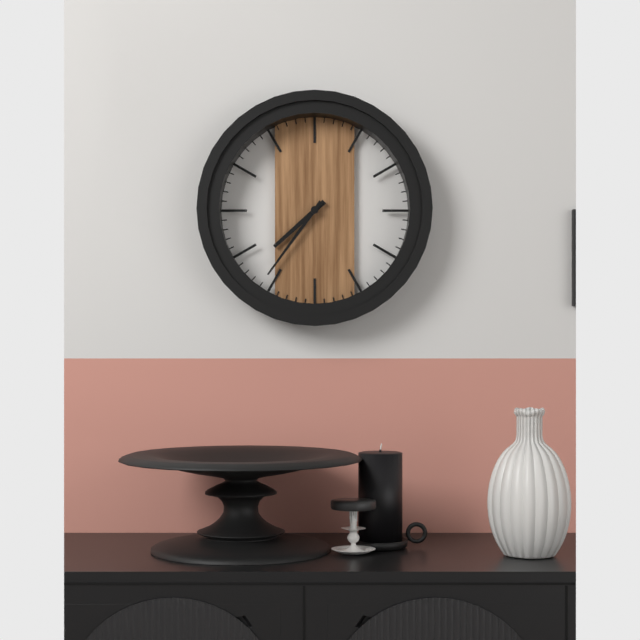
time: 7:36
